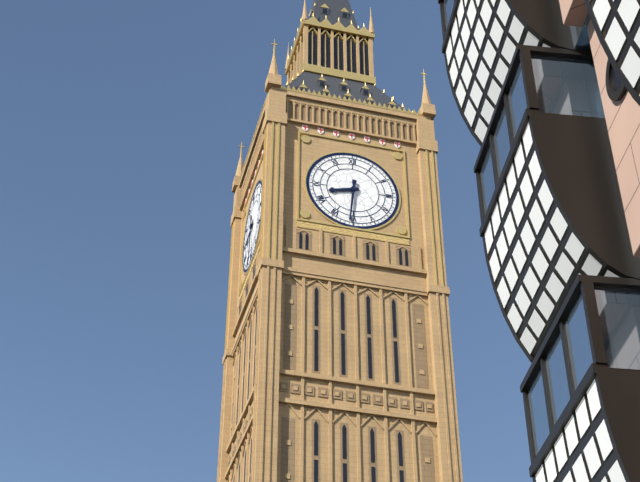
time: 8:31
